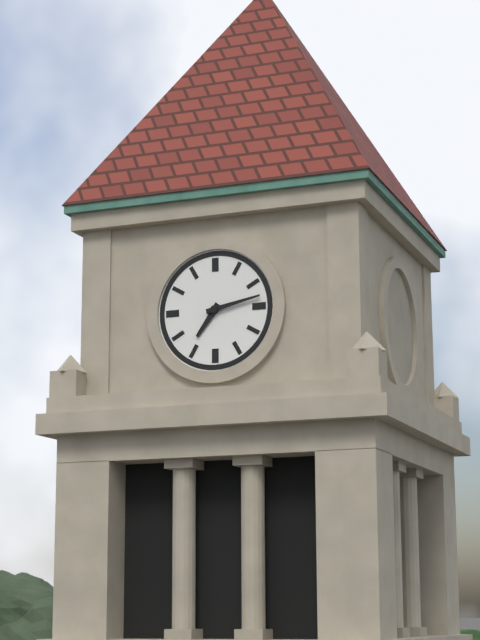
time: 7:13
